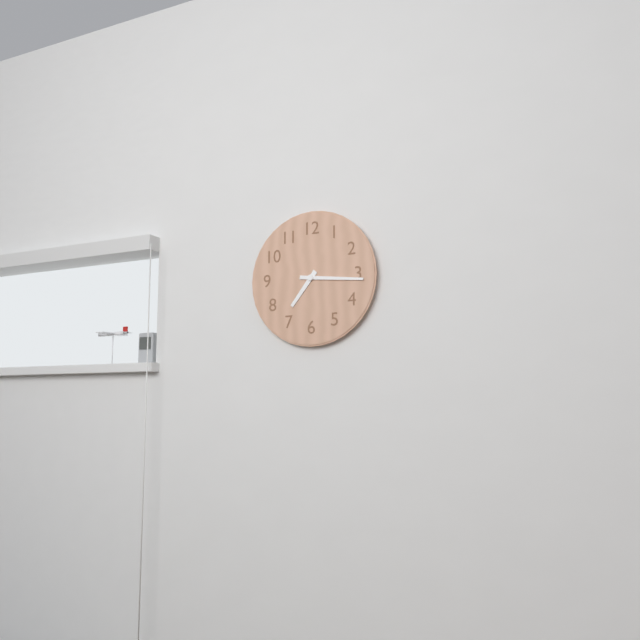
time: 7:16
